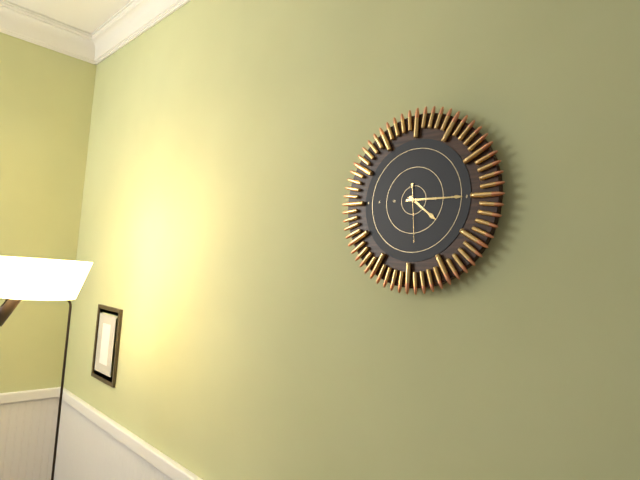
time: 4:15:29
